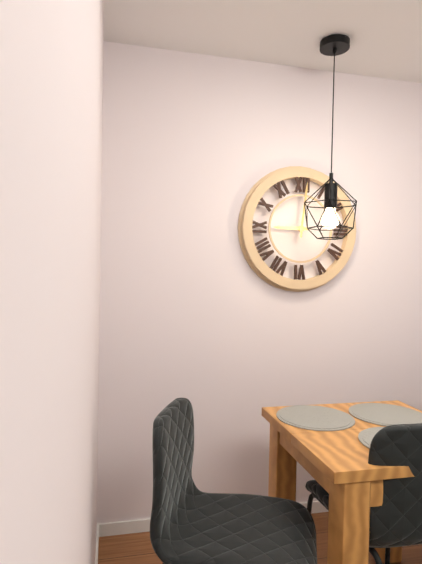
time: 9:01
